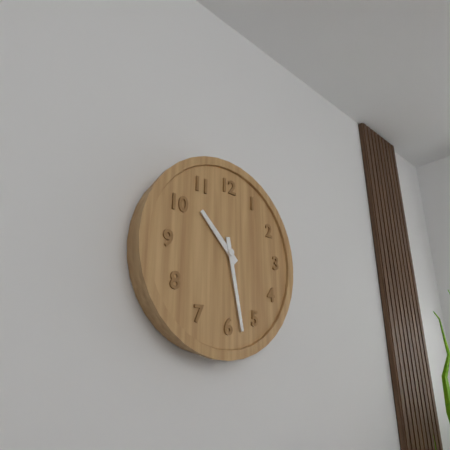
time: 10:28
